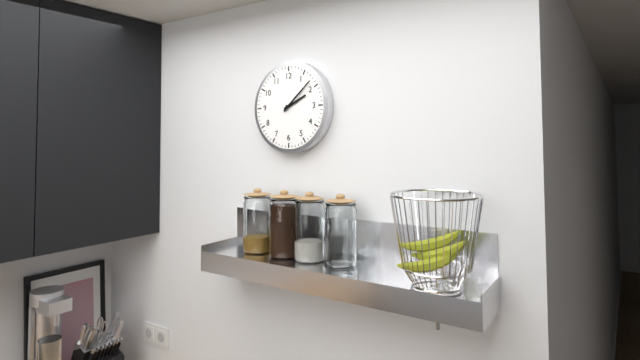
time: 2:08
